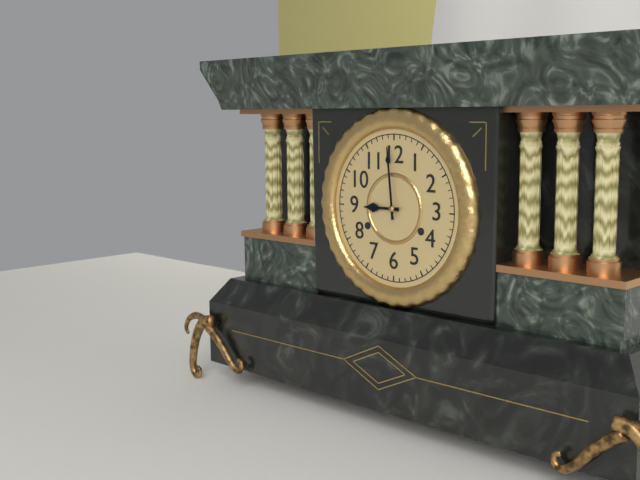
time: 8:59
